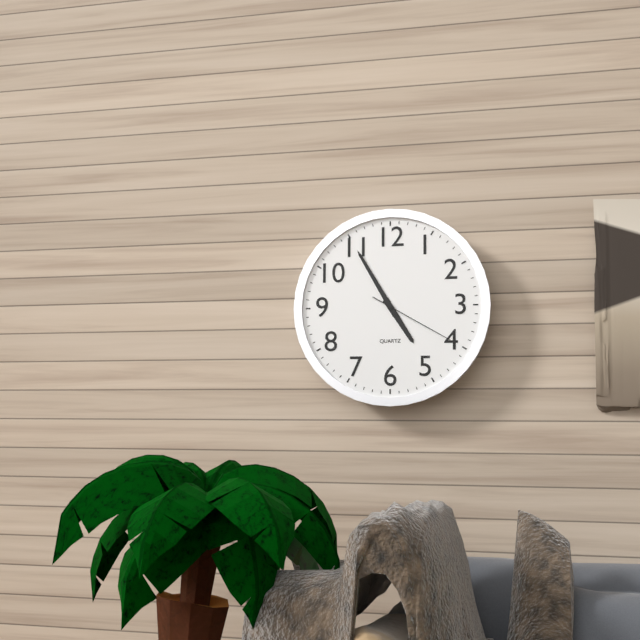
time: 4:55:20
